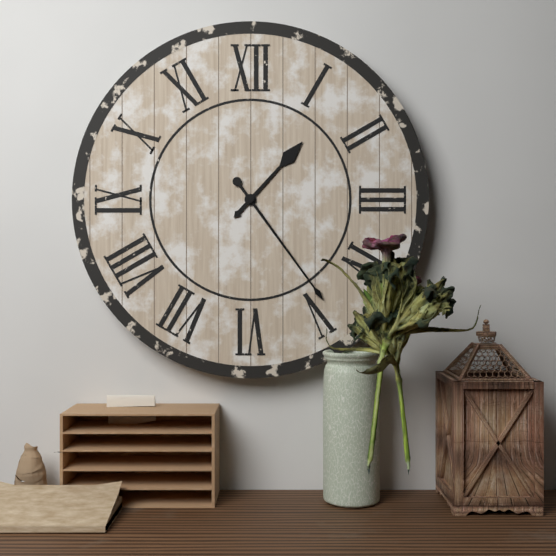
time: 1:24
